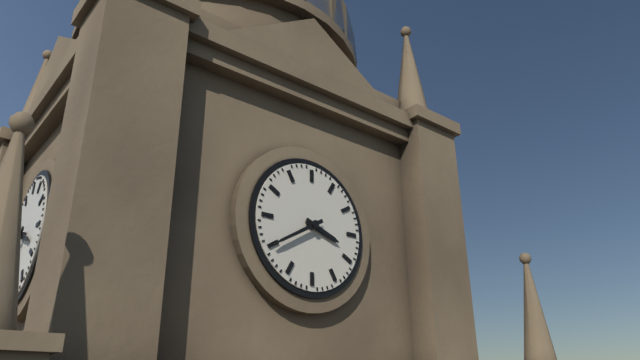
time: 3:40
